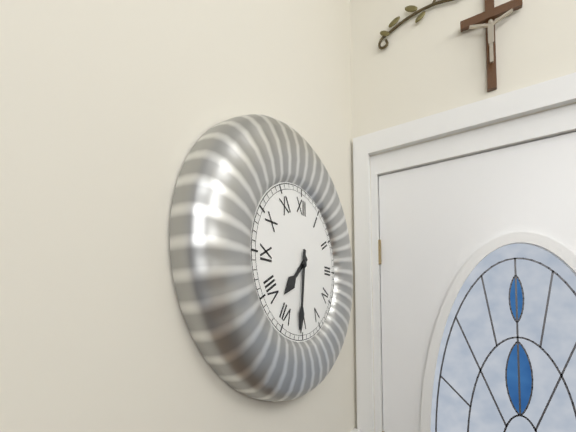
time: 7:31
